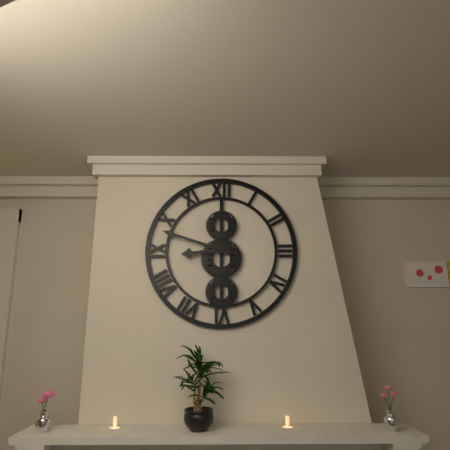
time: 8:48
